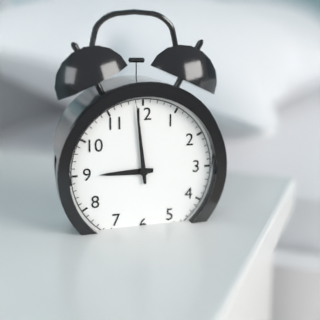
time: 8:59
